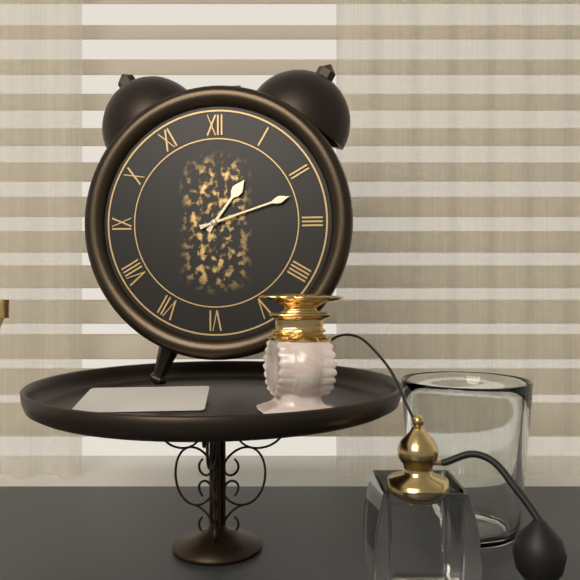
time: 1:12
